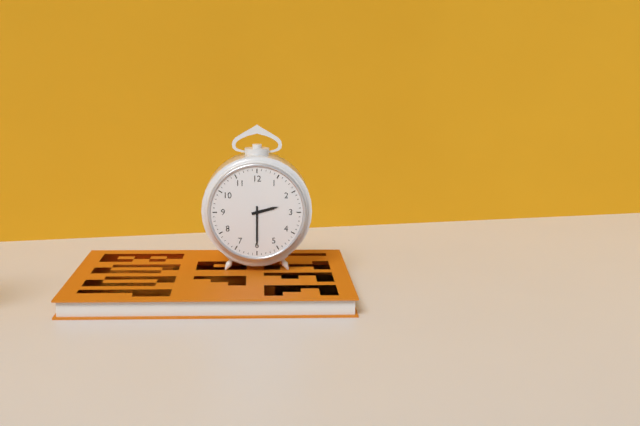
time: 2:30
